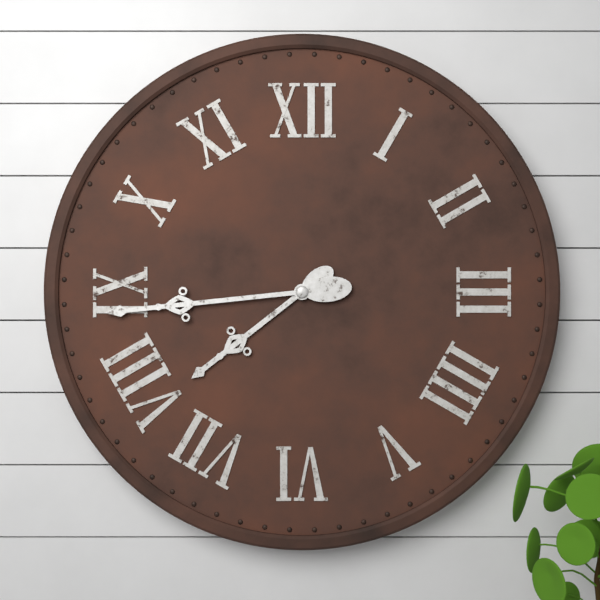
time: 7:44
